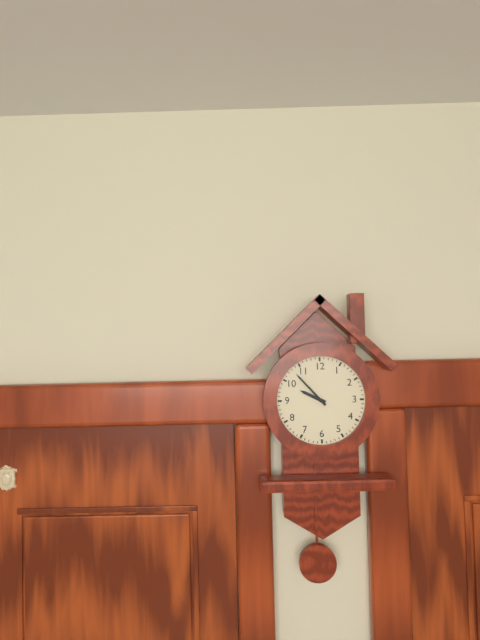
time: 9:53
